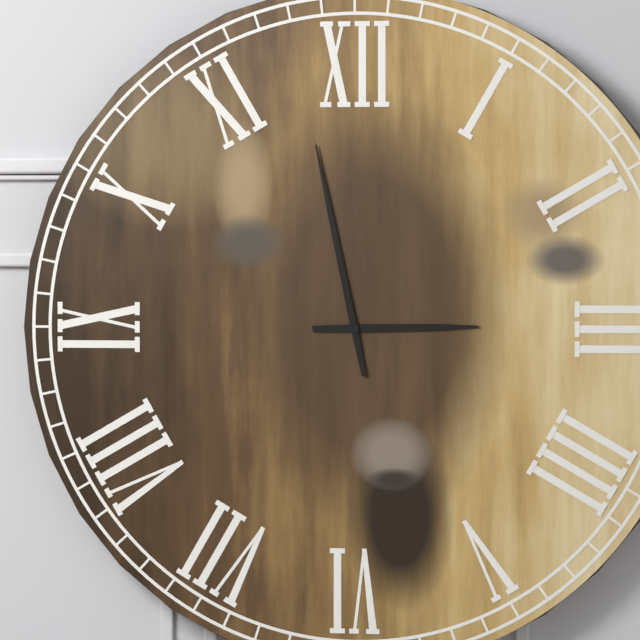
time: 2:58
